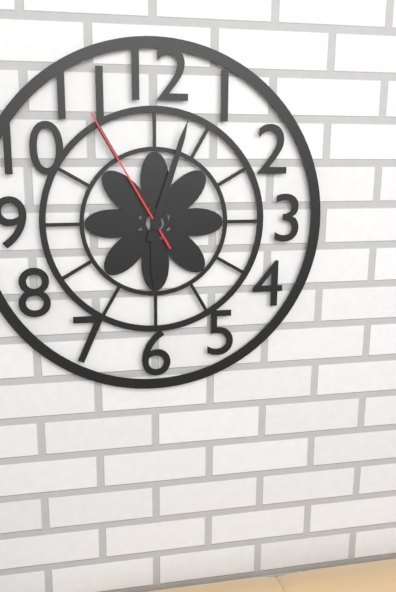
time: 6:03:55
